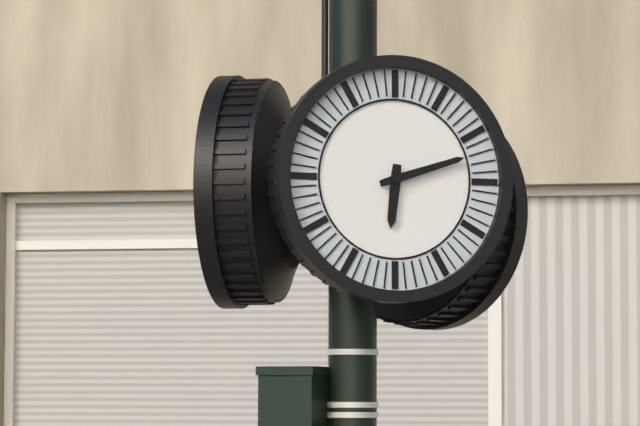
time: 6:12
